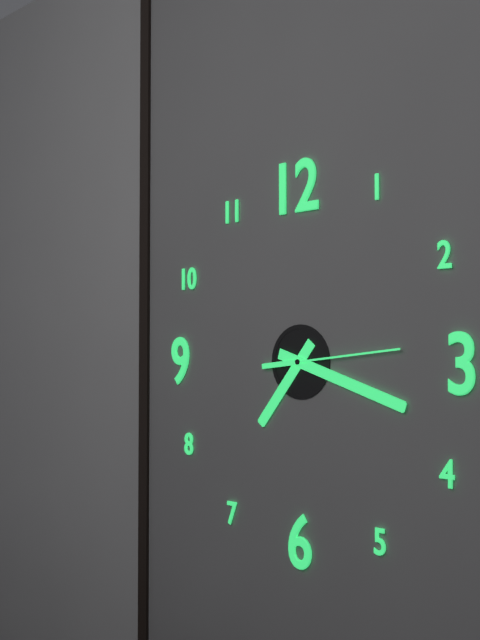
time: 7:18:14
